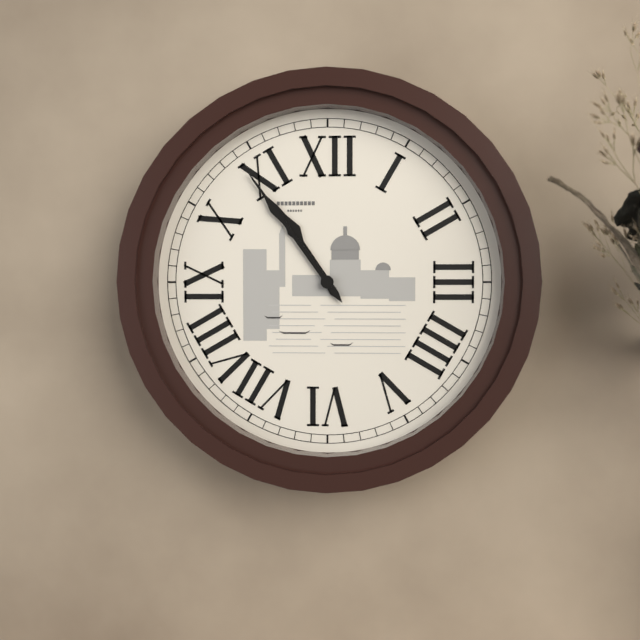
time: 10:54
